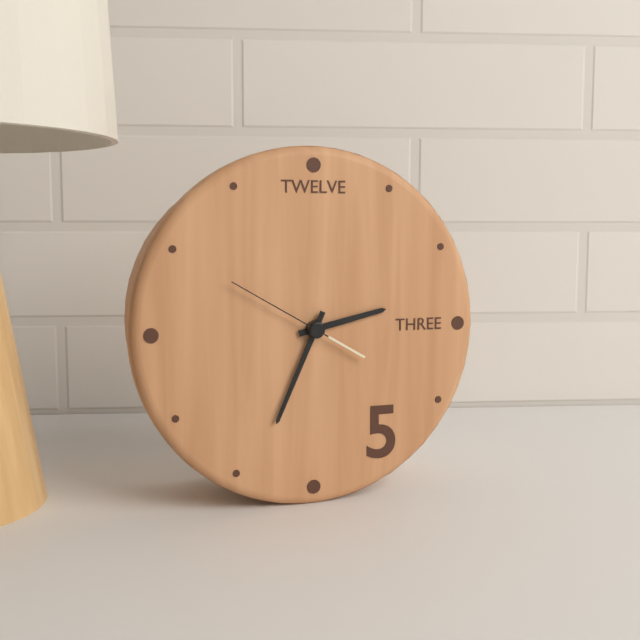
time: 2:34:50
